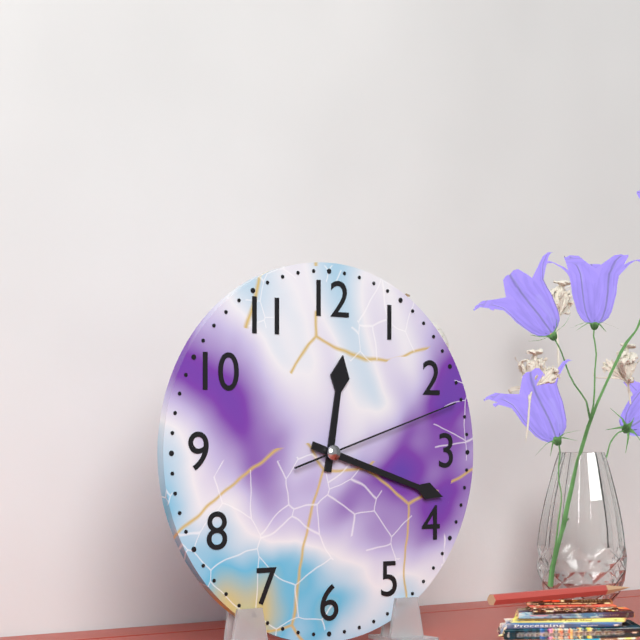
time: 12:18:12
